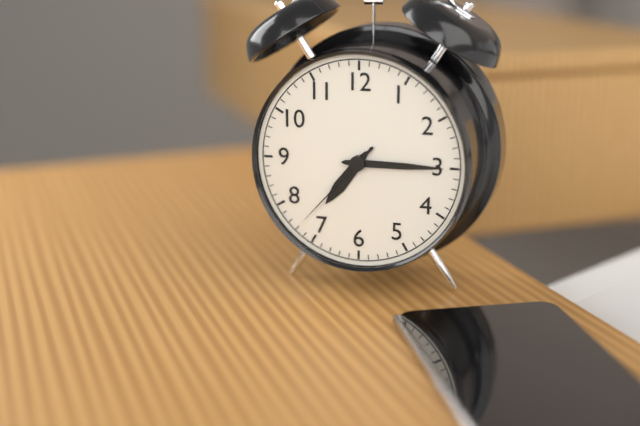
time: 7:15:37
